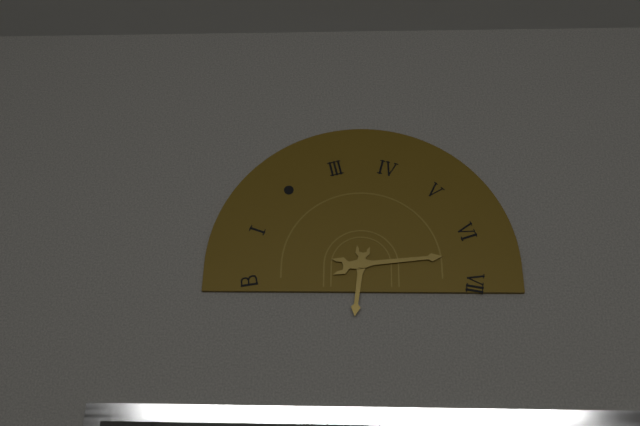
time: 6:14
